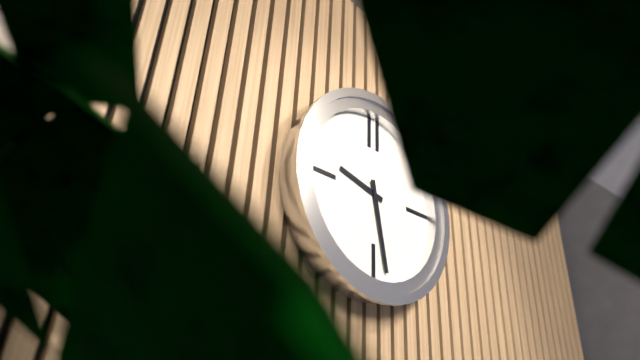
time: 9:28
